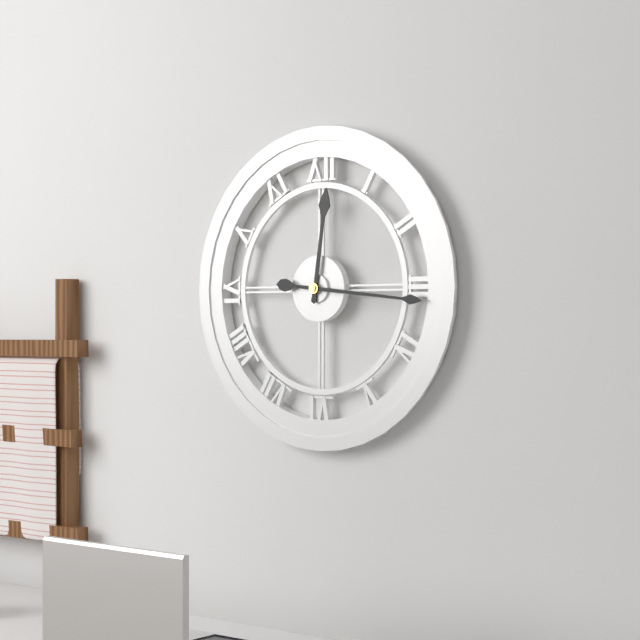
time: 12:16
